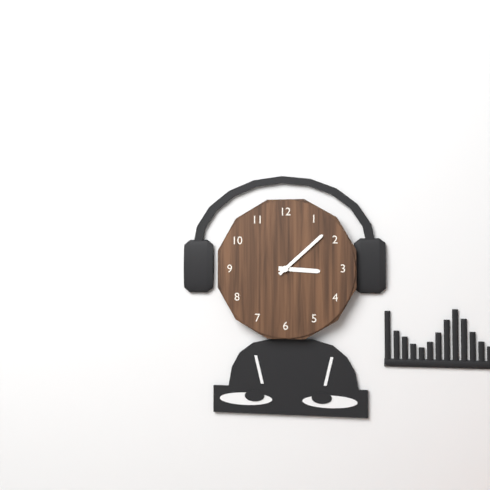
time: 3:08
